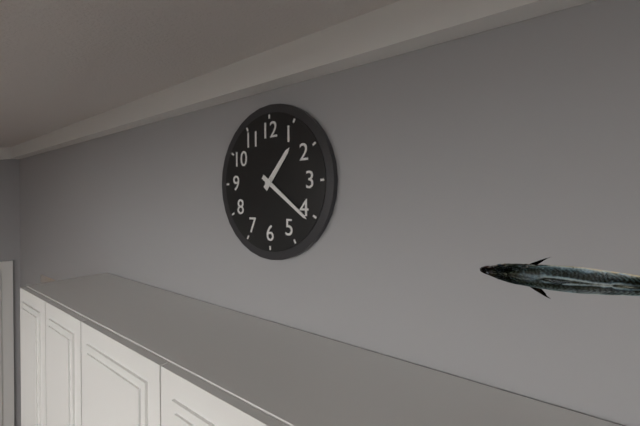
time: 1:21
